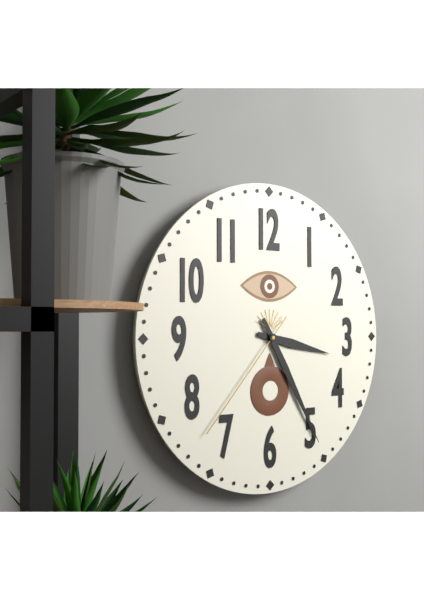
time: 3:25:37
